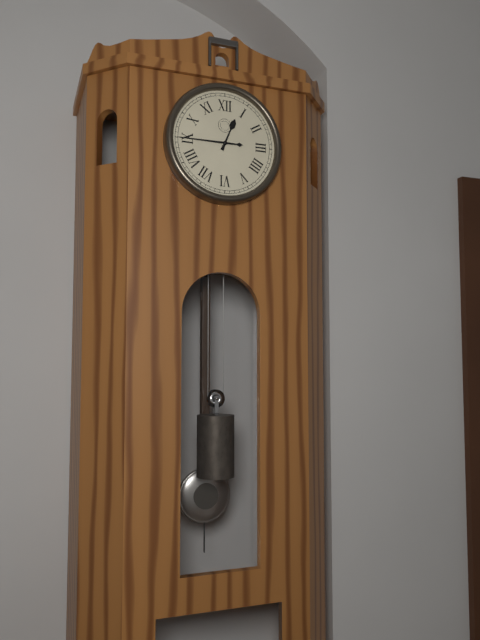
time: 12:45
